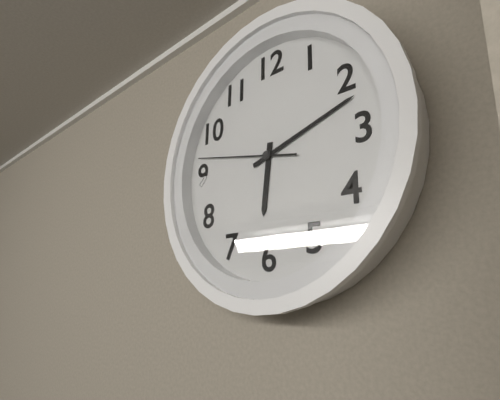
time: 6:12:47
